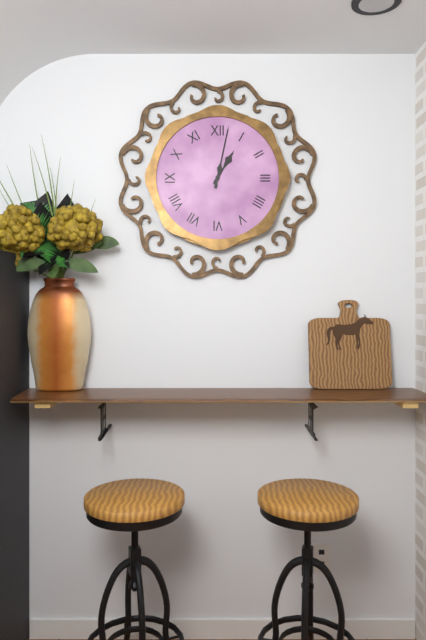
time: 1:02
